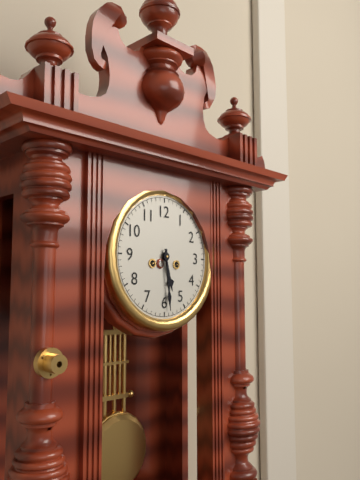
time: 5:29
